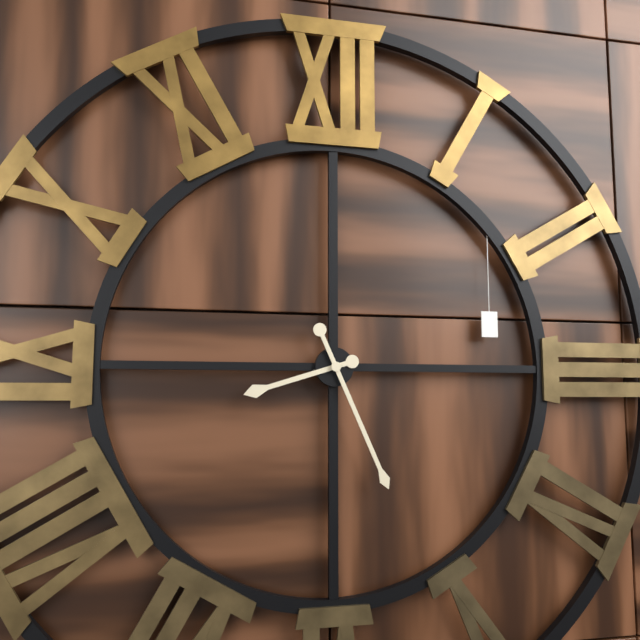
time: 8:26
